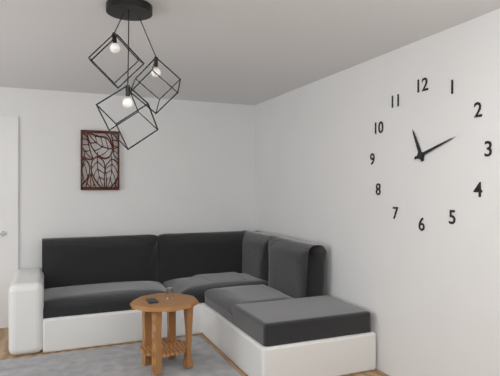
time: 11:12
